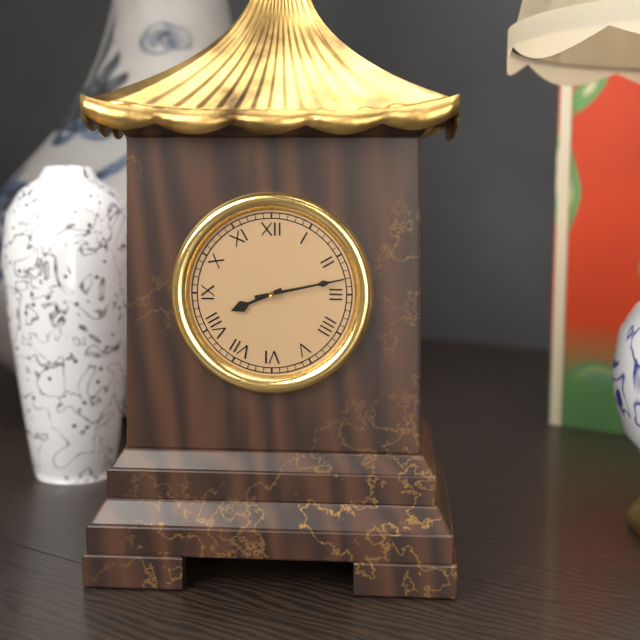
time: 8:13
